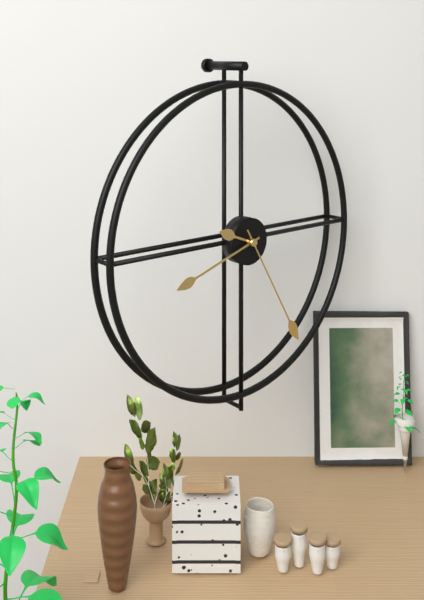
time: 9:42:25
